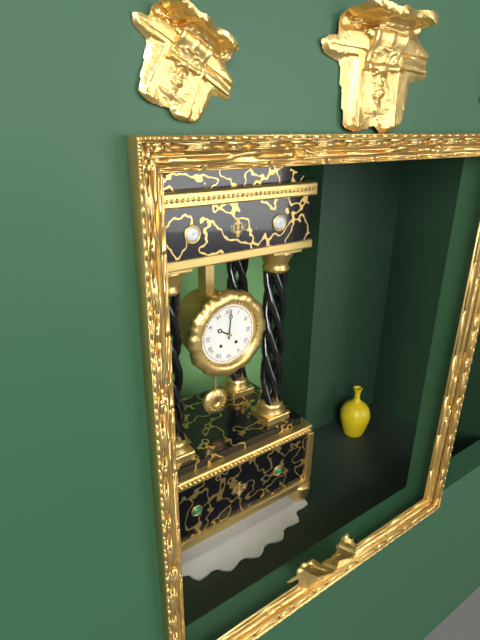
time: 10:01
